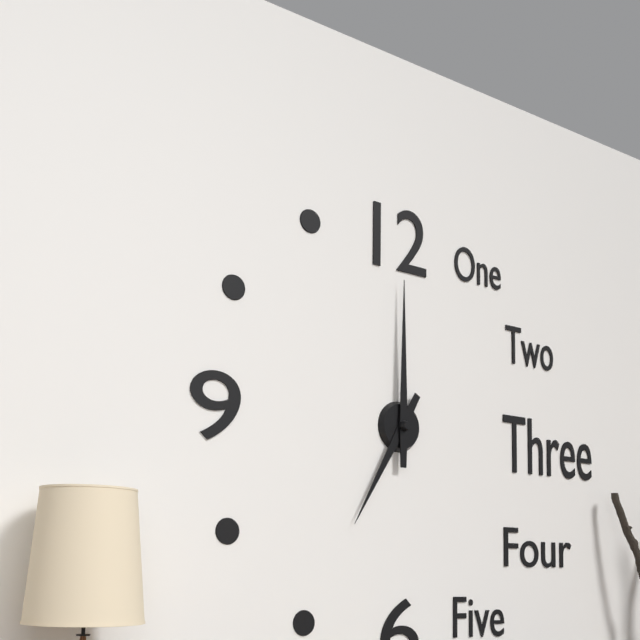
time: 7:00
